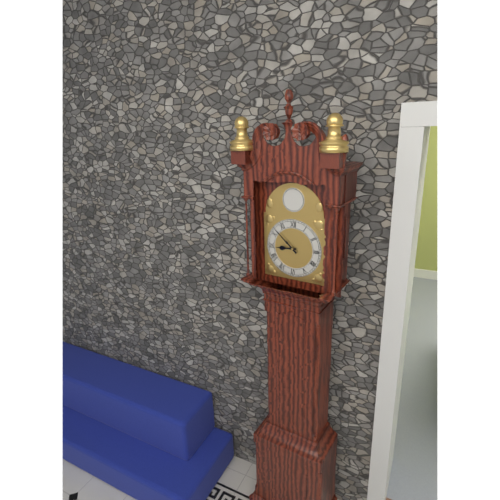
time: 8:52
